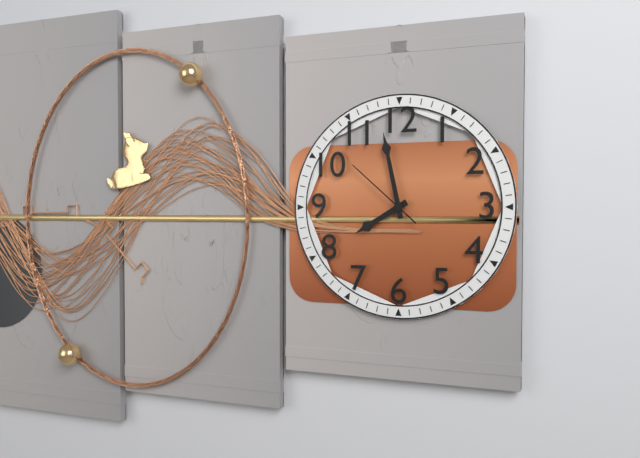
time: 7:58:52
